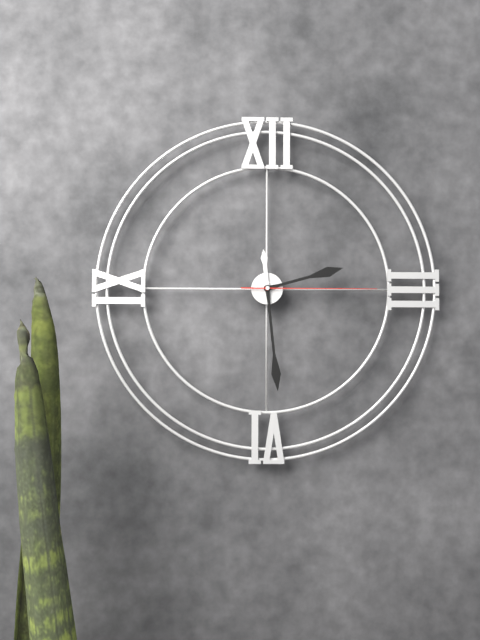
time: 2:29:15
